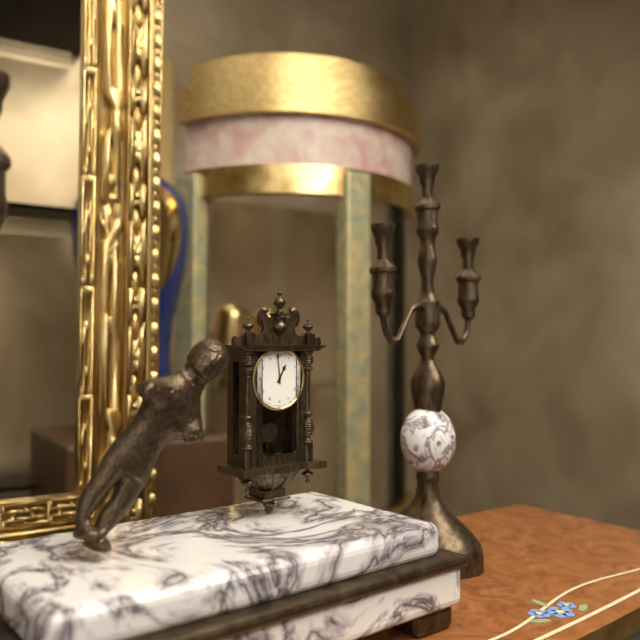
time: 12:59
